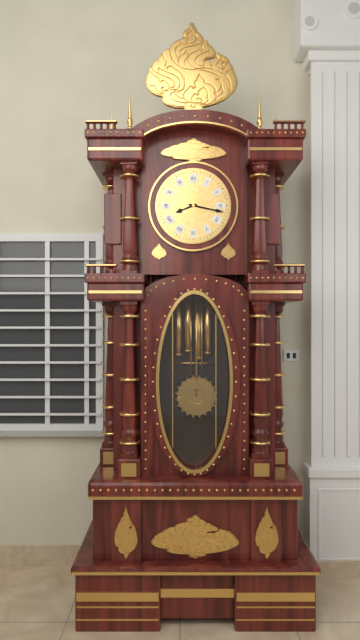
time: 8:17
